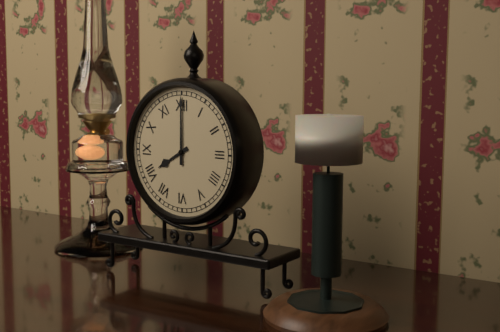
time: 8:00
